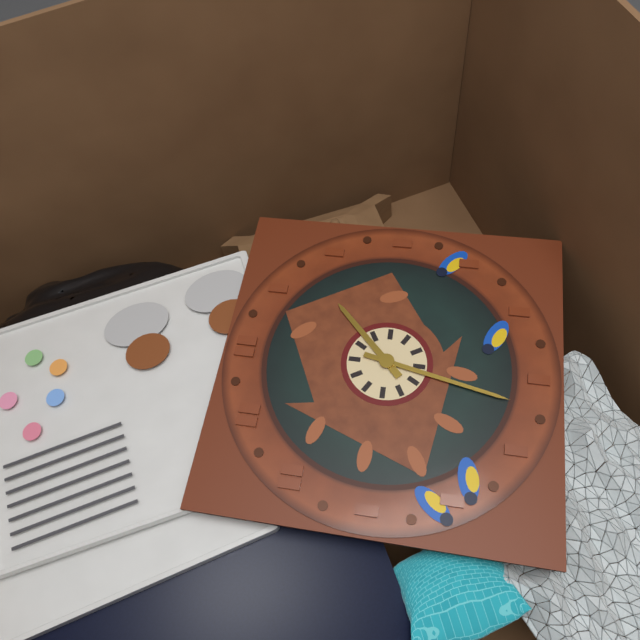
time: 1:32
